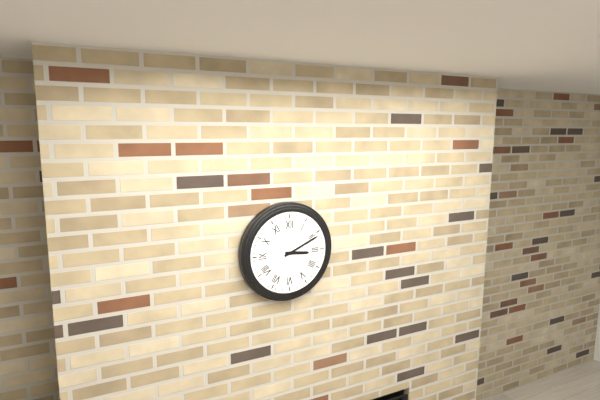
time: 3:11
